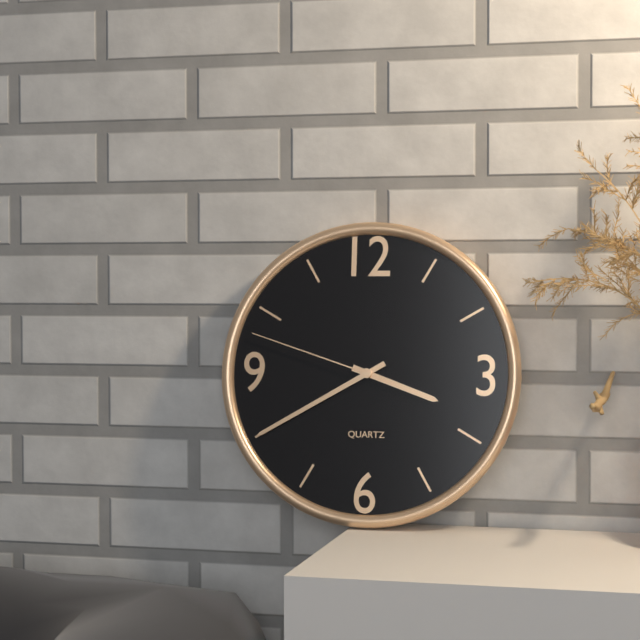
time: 3:40:48
